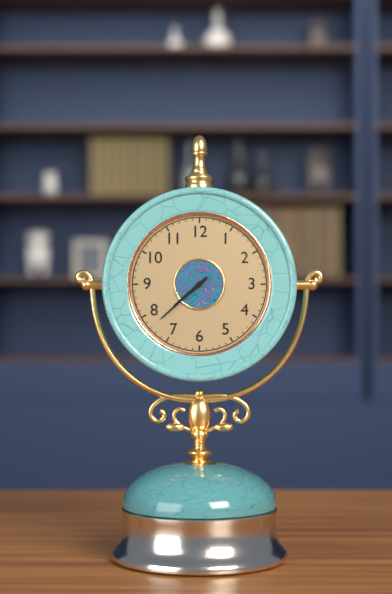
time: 7:38
